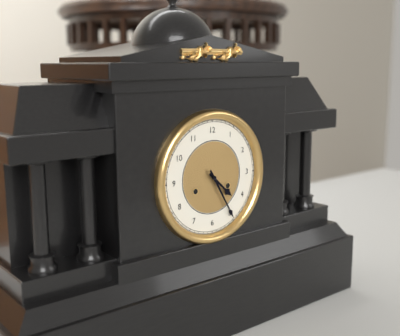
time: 4:25
